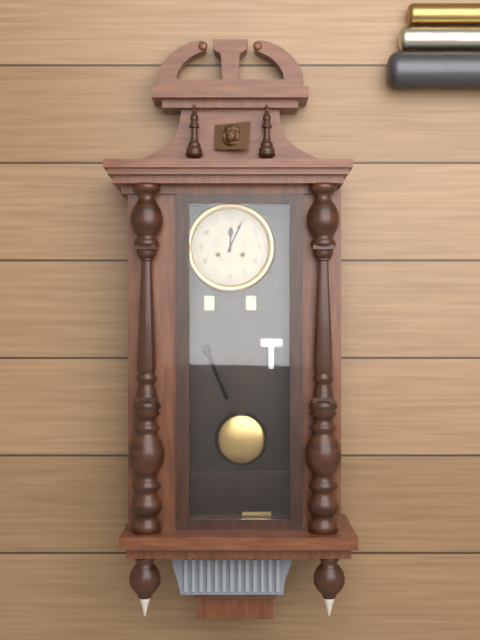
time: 12:04
